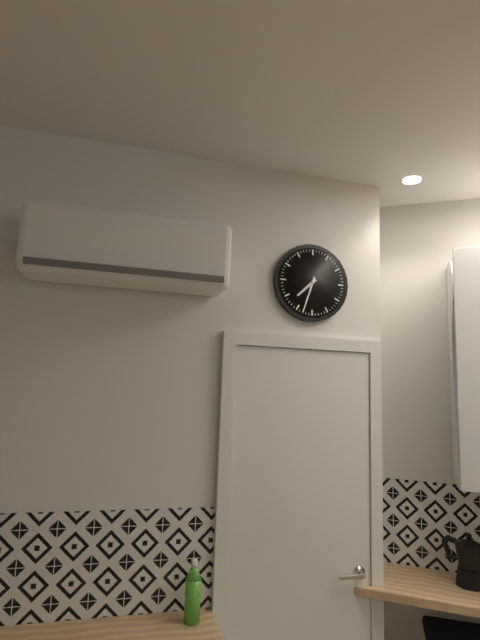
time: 7:33
